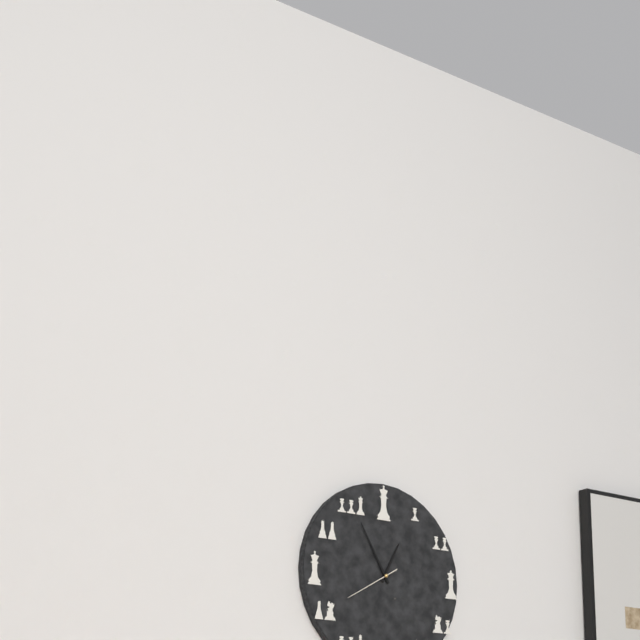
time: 12:55:40
